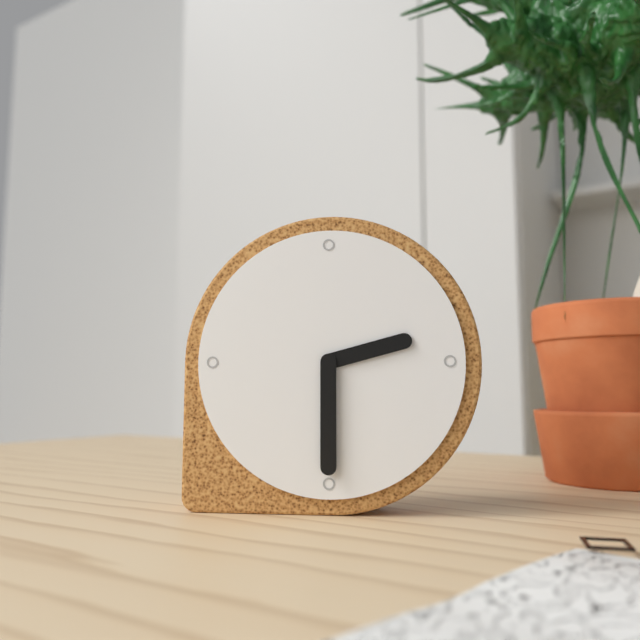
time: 2:30
